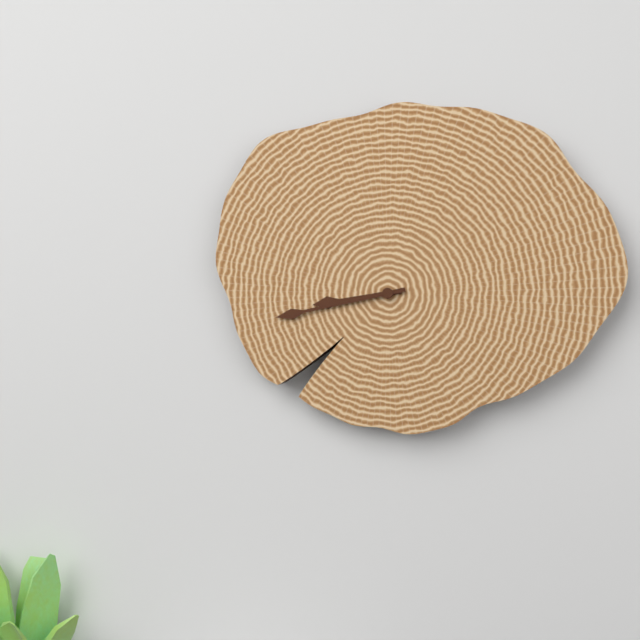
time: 8:43
